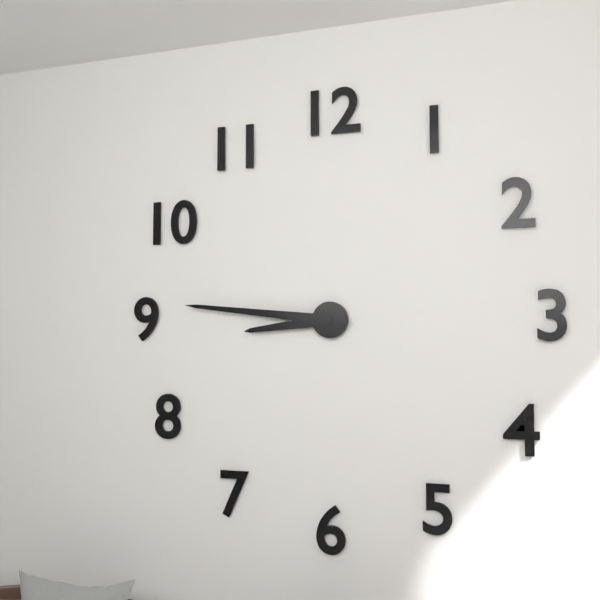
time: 8:46
